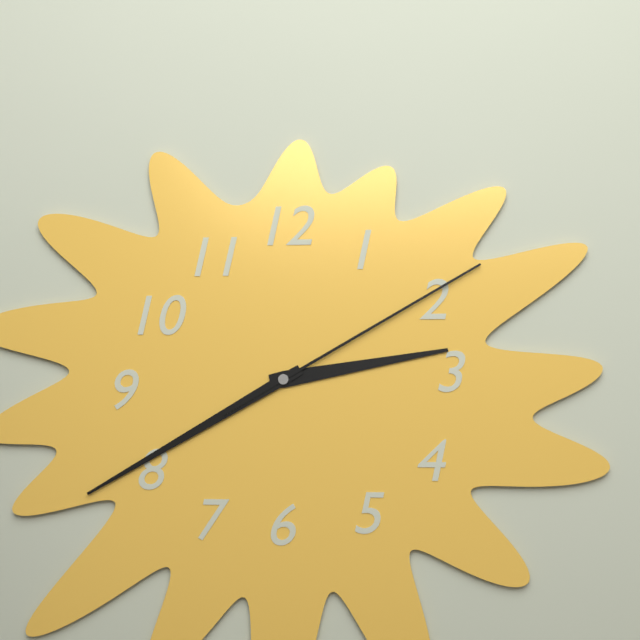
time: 2:40:10
